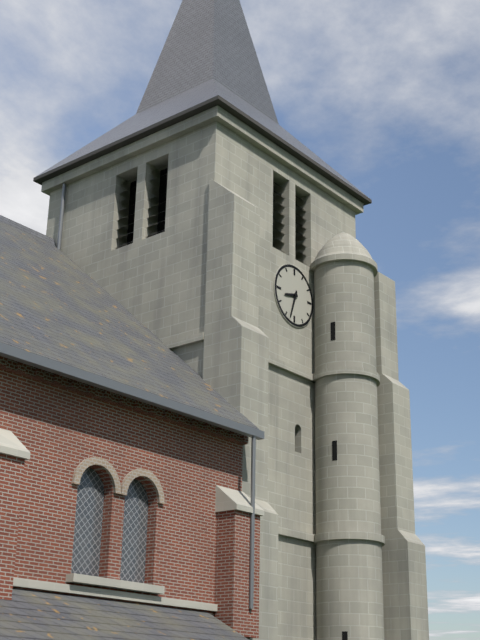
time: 8:33
